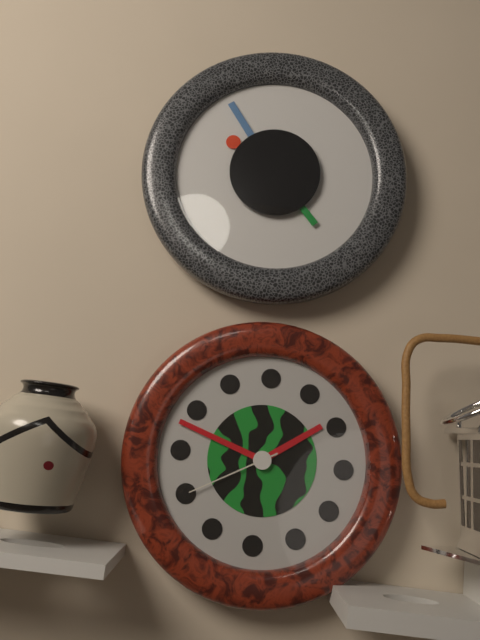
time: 1:48:40
